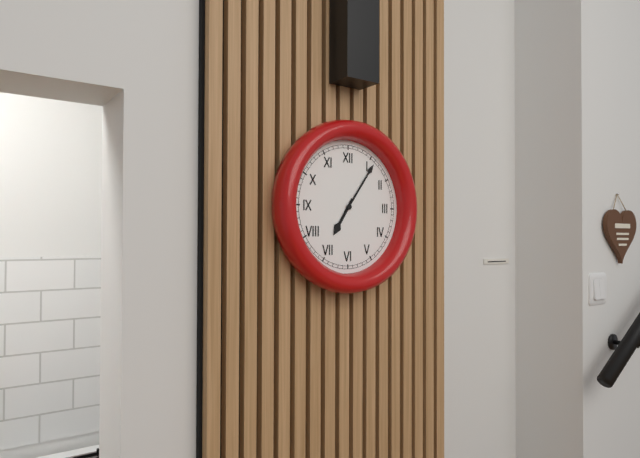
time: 7:06
